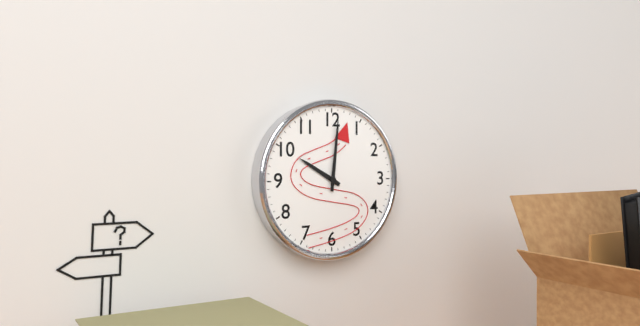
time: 10:01
